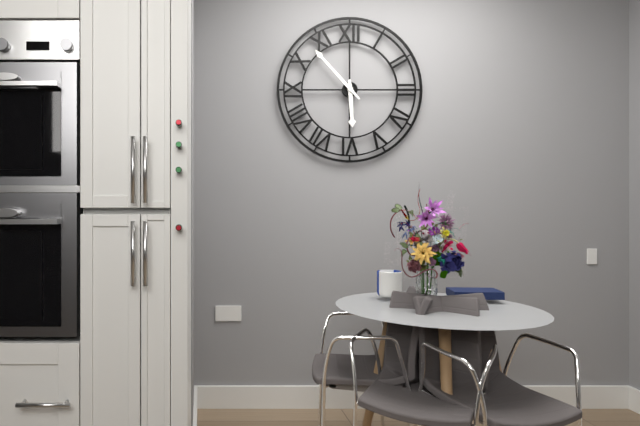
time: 5:53
